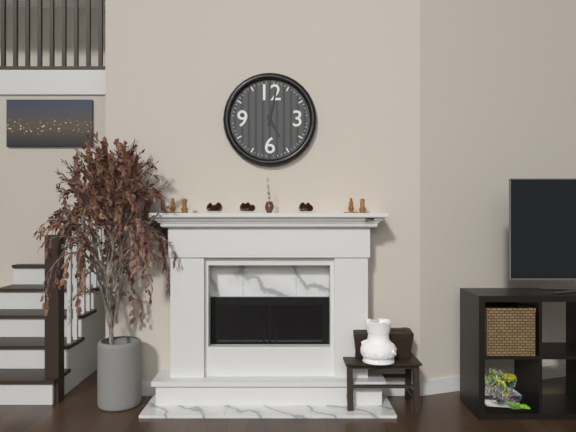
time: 5:02
